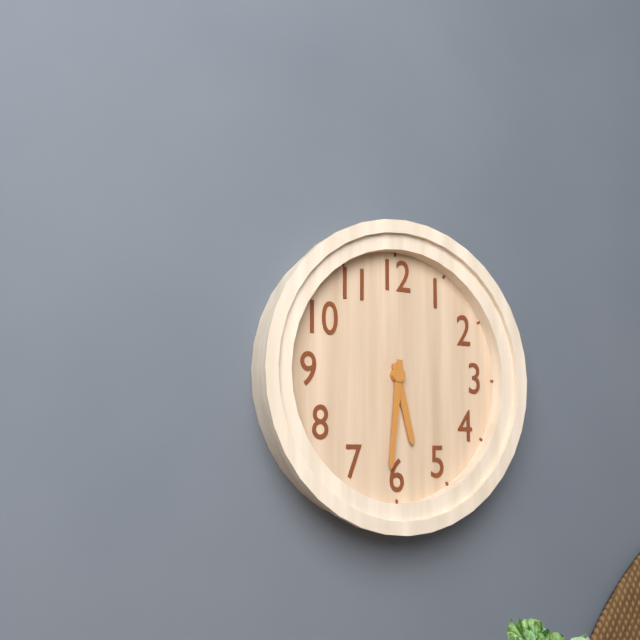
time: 5:31
